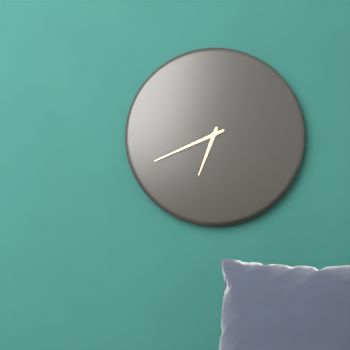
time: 6:41
